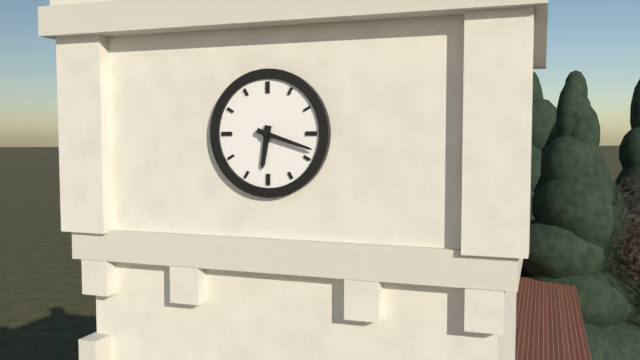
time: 6:18
